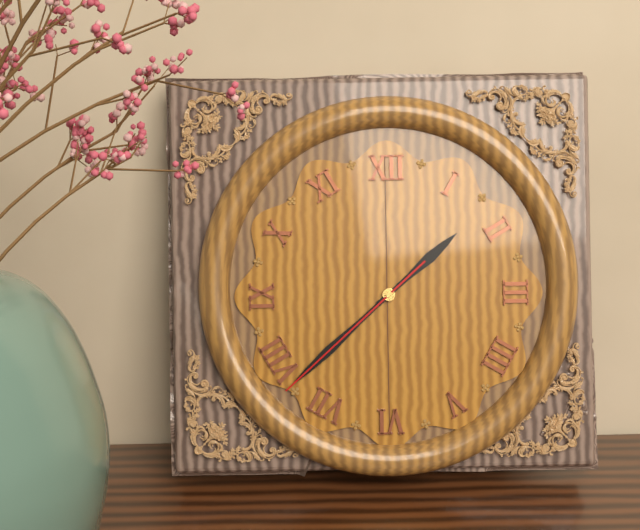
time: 1:38:38
